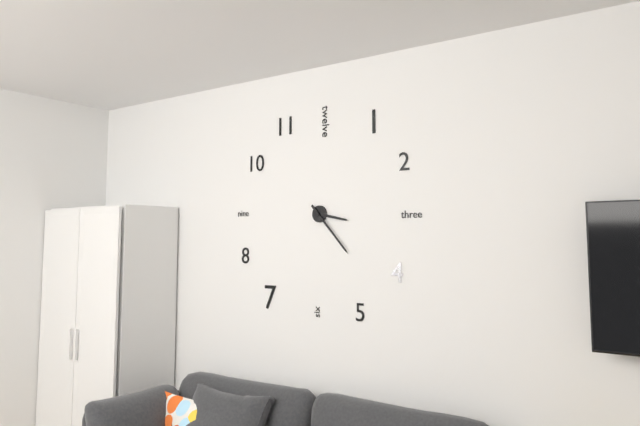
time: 3:23
